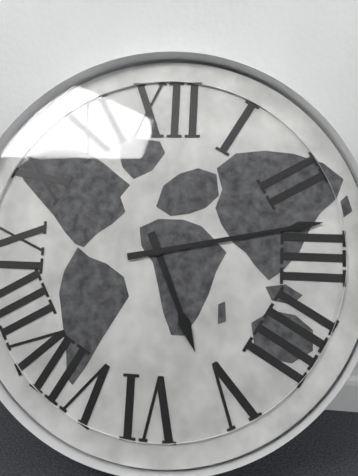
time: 5:13
